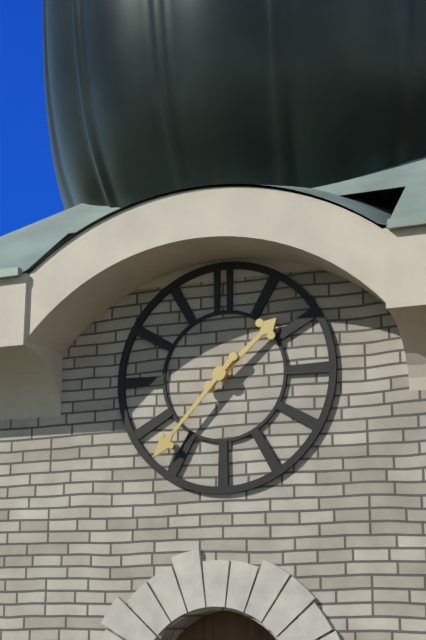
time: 1:37
